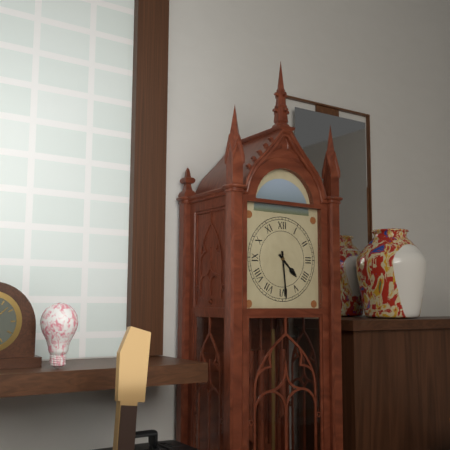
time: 4:29
